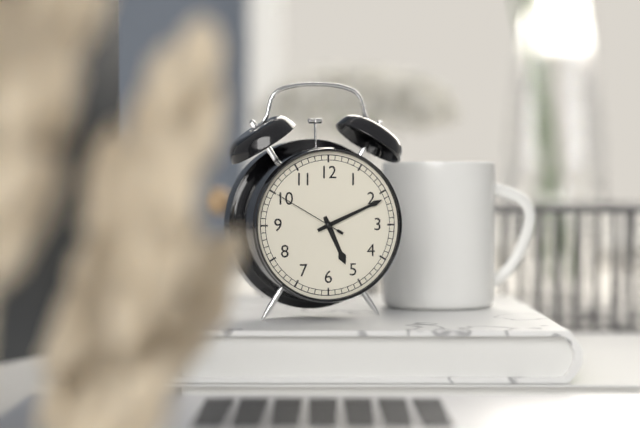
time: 5:11:50
